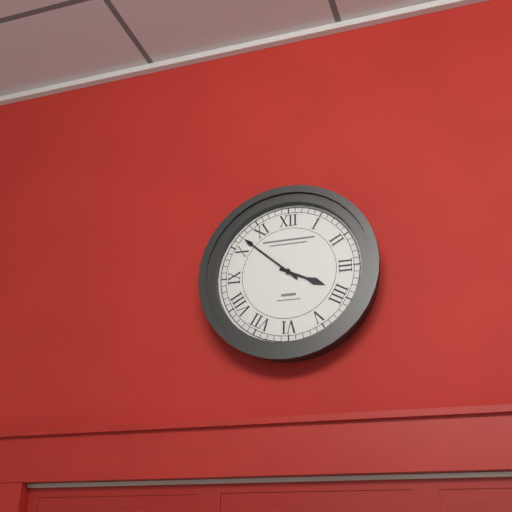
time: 3:52
